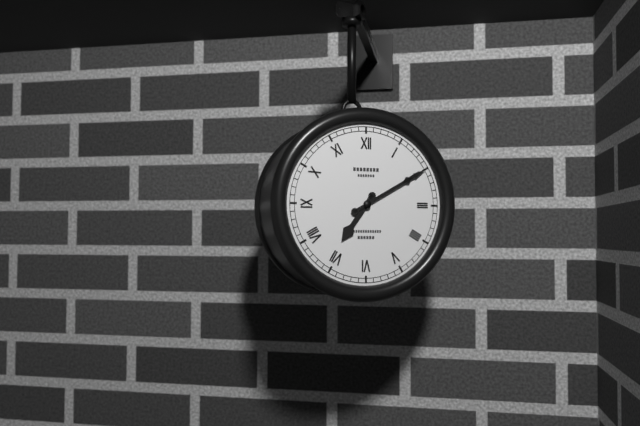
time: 7:10
